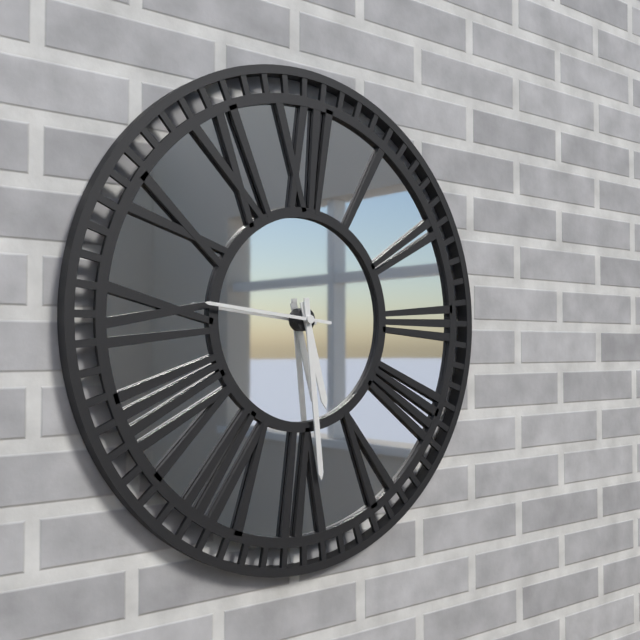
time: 5:29:46
